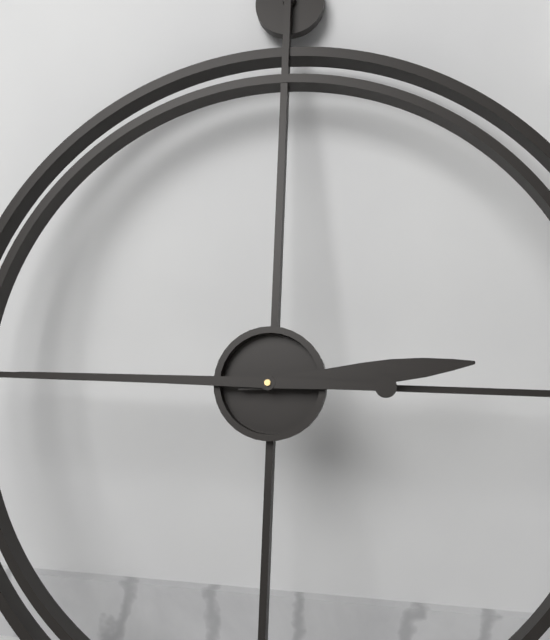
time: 2:45
